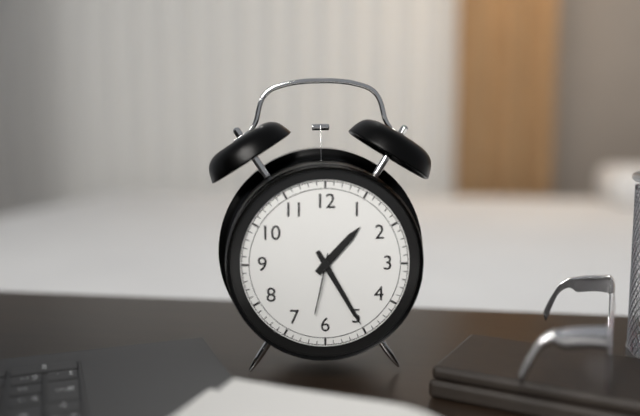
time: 1:25:32
